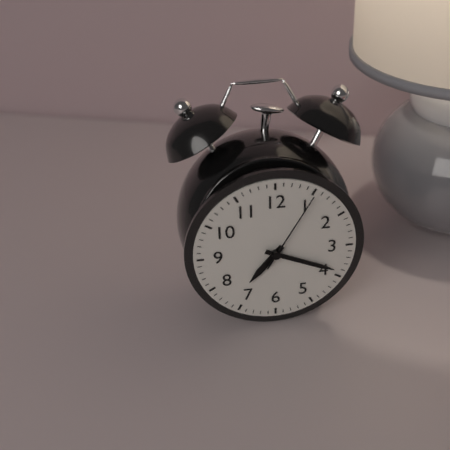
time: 7:19:05
